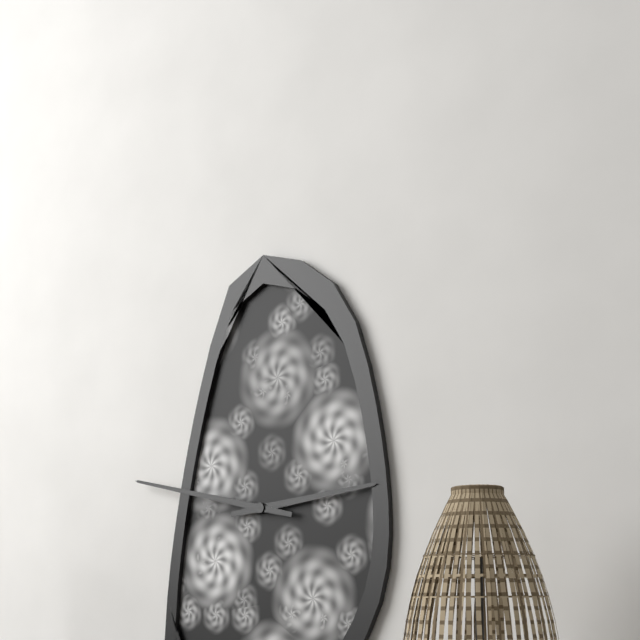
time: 2:47
